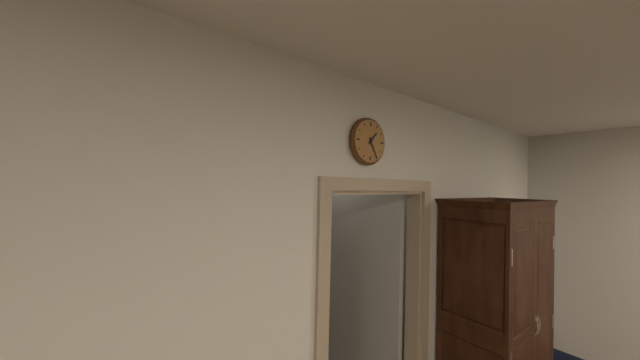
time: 1:25
